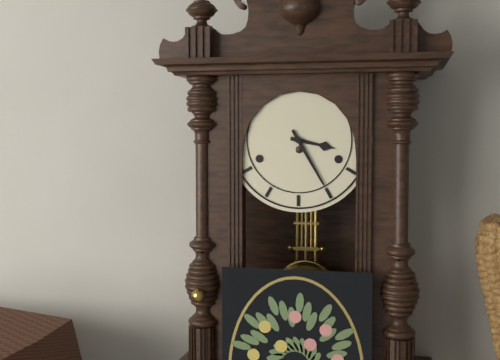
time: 3:25
